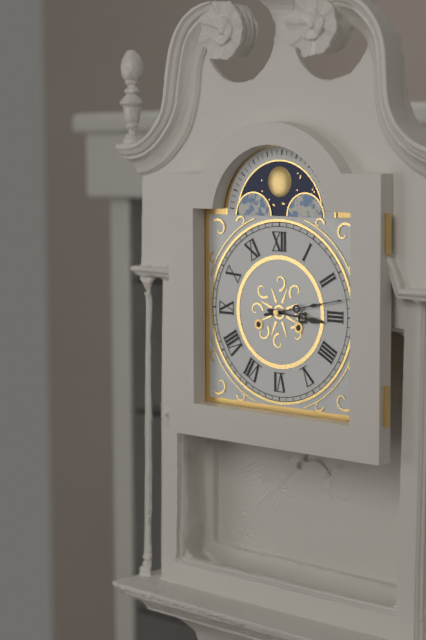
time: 3:13
